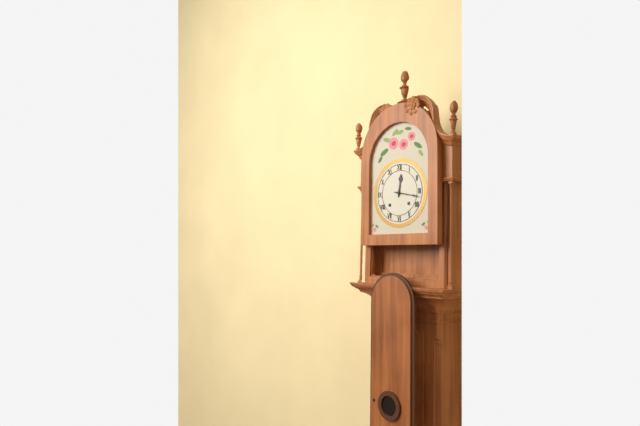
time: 12:17
